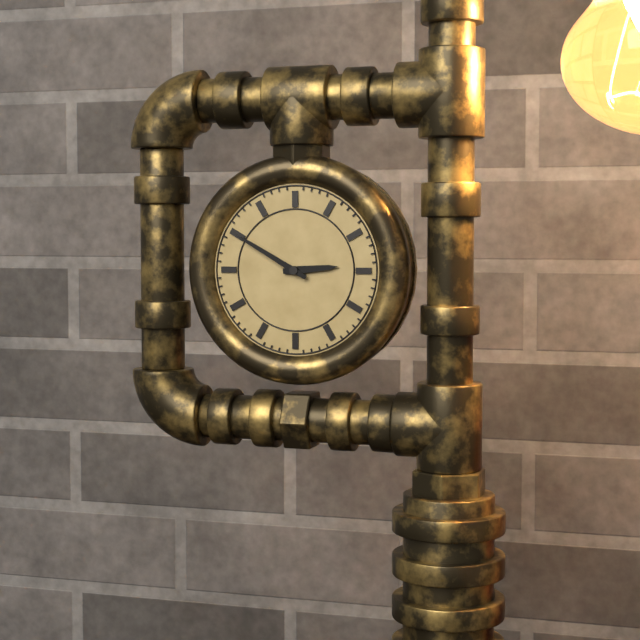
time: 2:50
